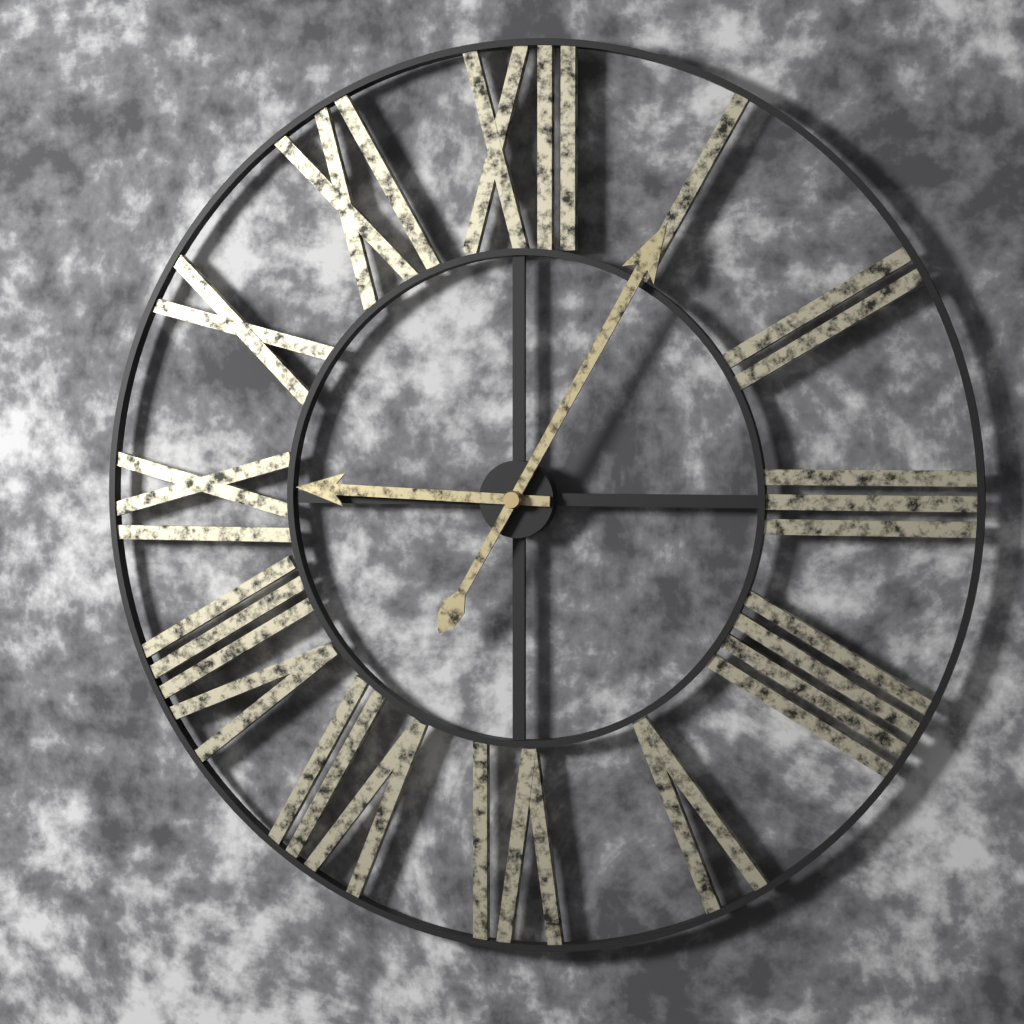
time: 9:05
